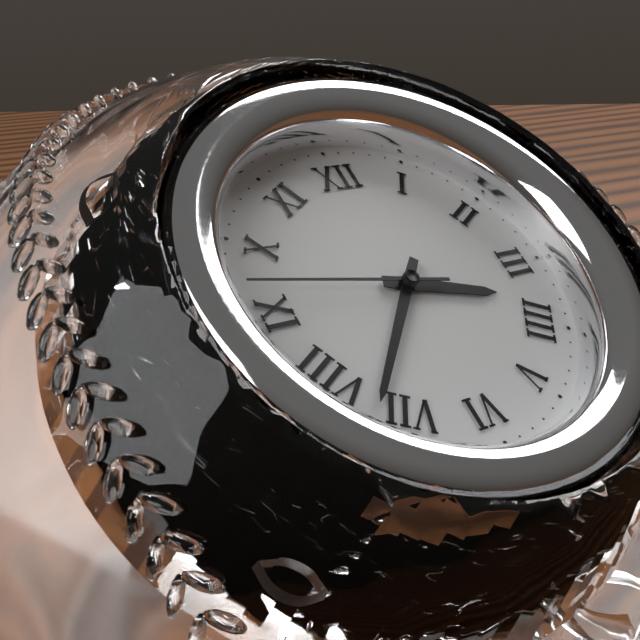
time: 3:37:47
